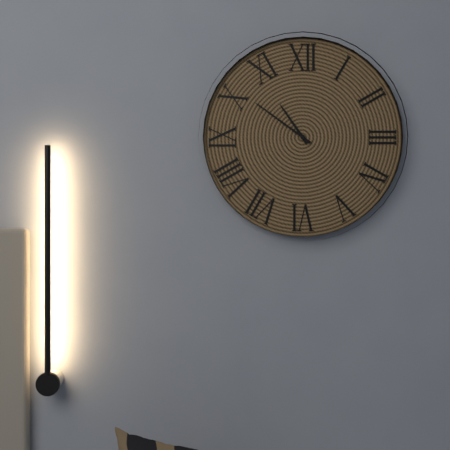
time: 10:51
